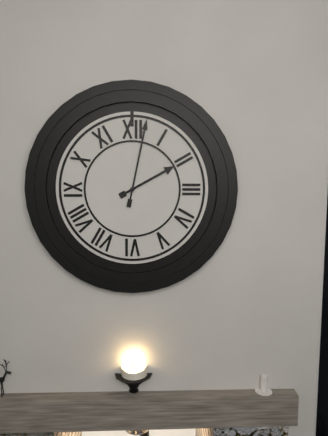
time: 2:02
